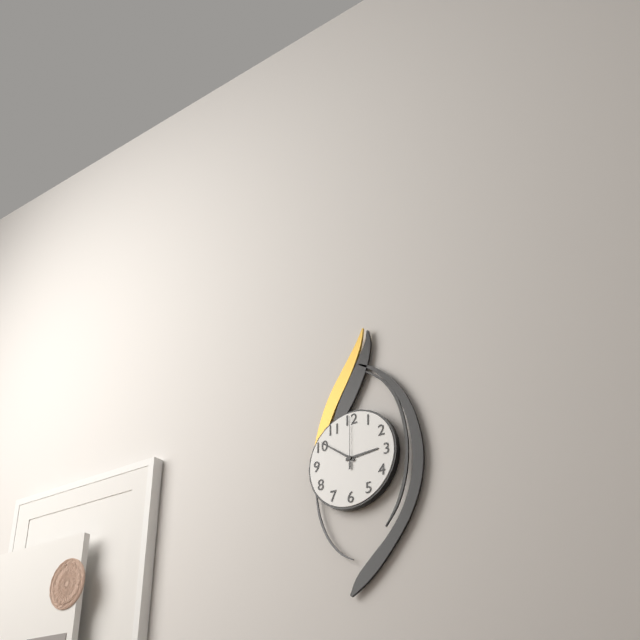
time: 2:51:00
